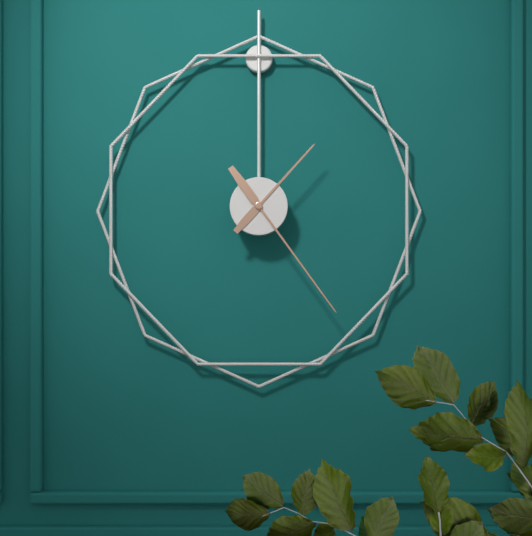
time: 1:24
